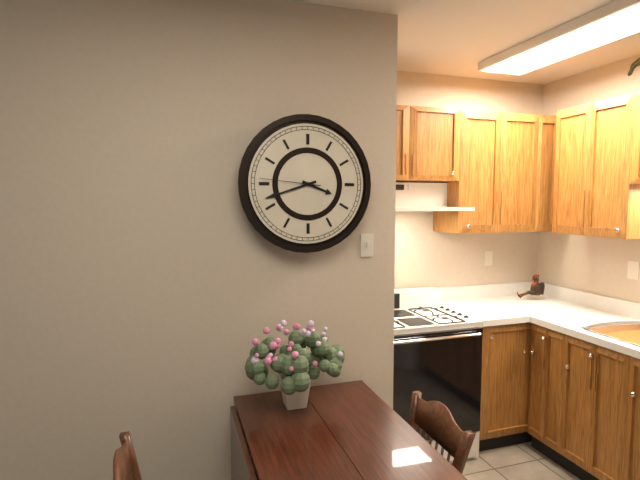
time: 3:42:46
